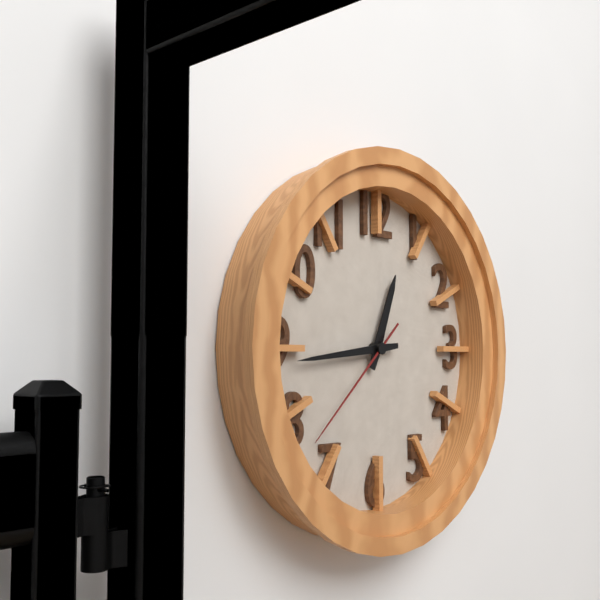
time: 12:44:38
